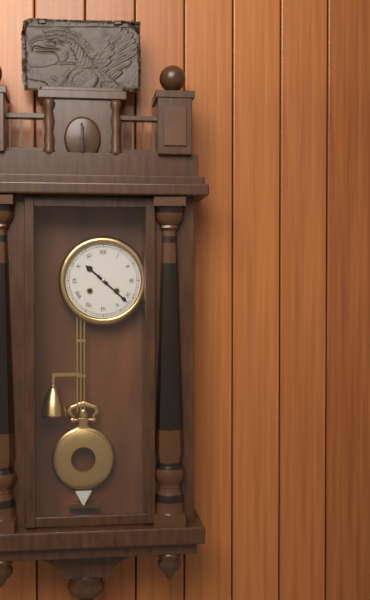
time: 10:22
